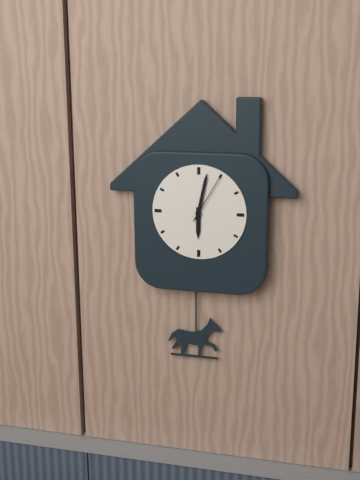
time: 6:02:05
